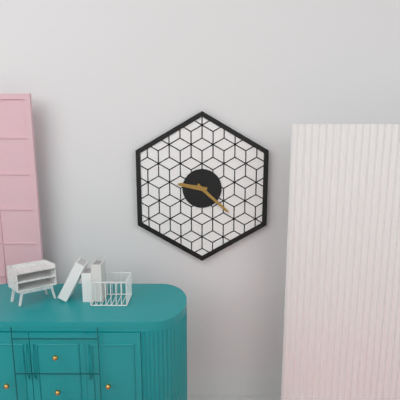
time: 9:22
